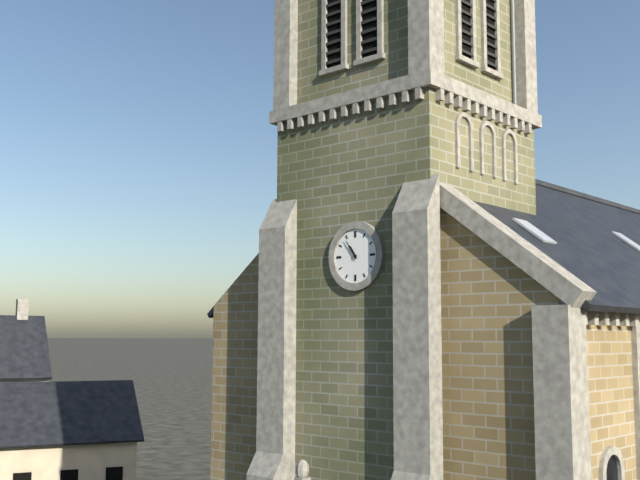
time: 10:54
